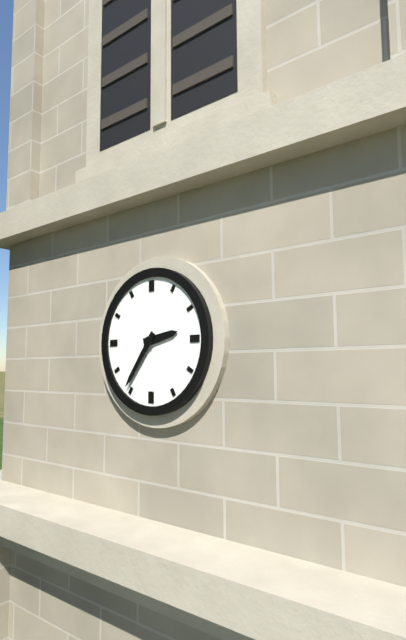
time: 2:36
